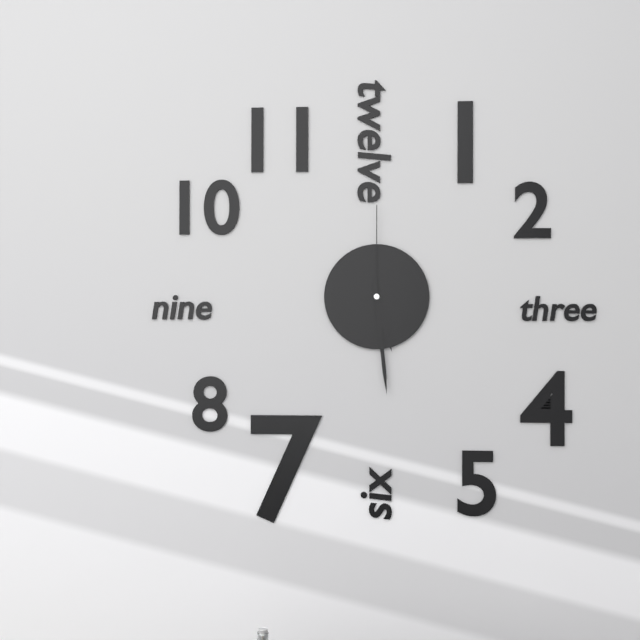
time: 5:29:00
